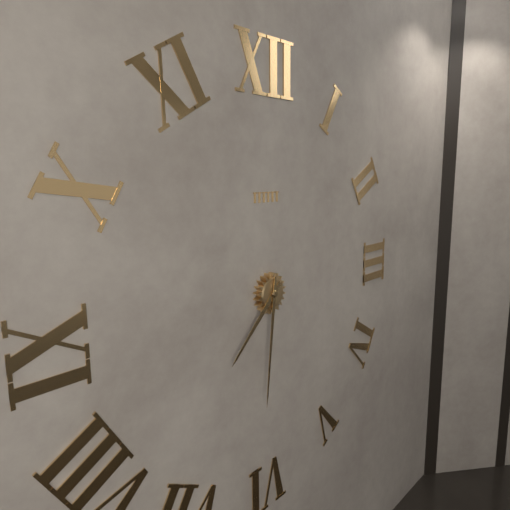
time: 7:31
